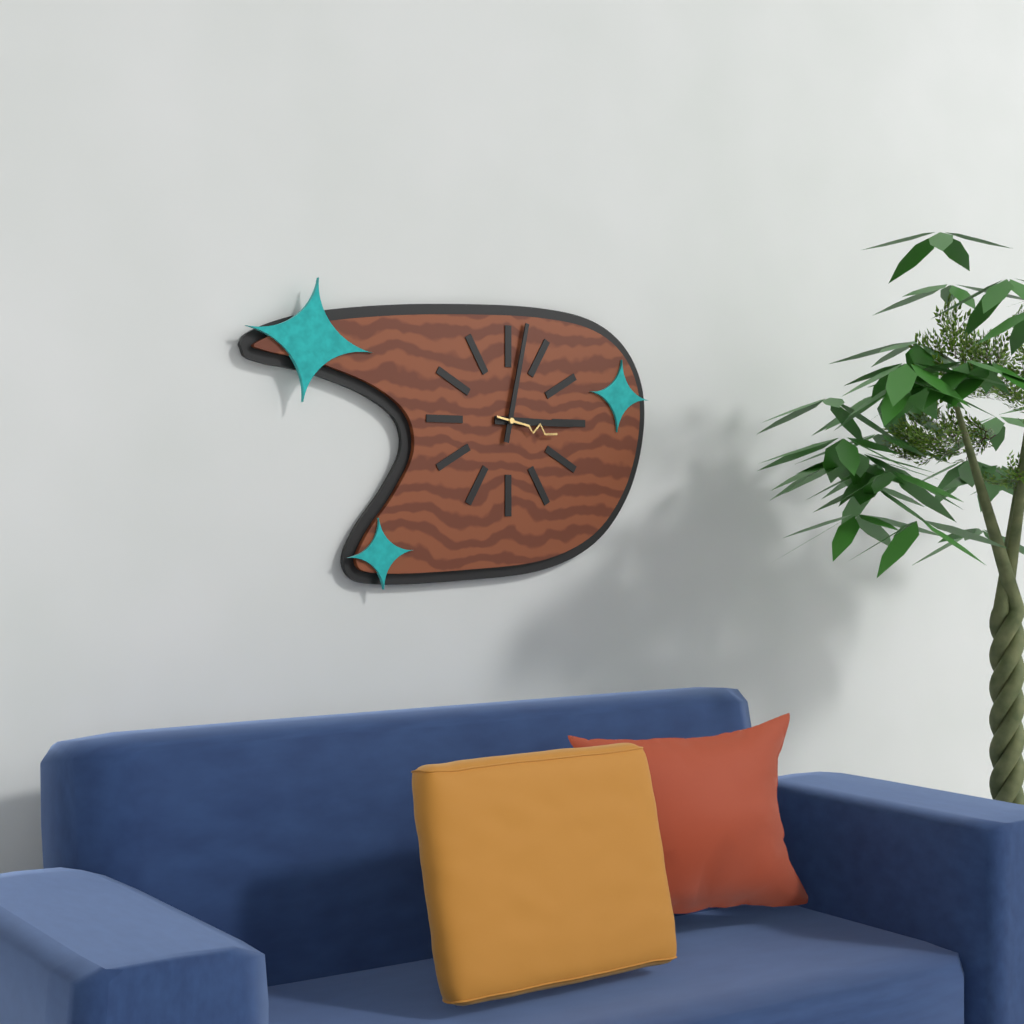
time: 3:02:17
